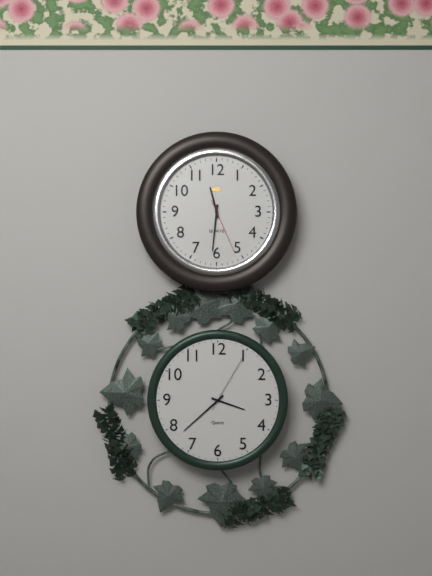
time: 11:31:26
